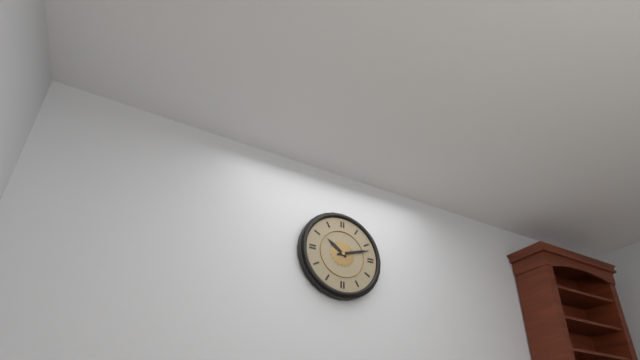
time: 10:12
